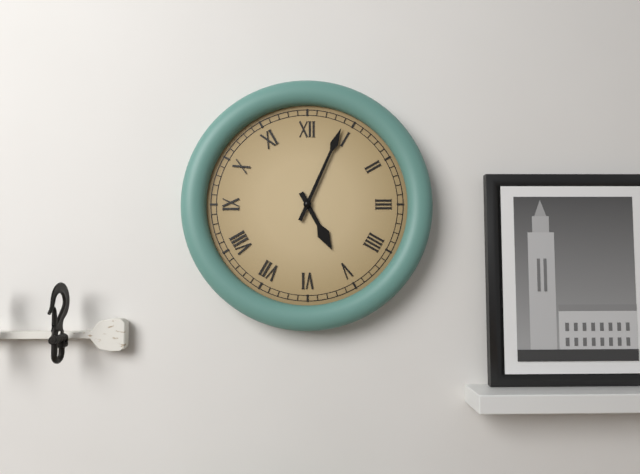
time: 5:04
